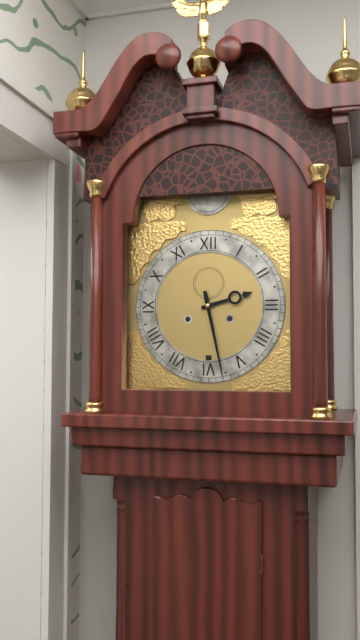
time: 2:28
